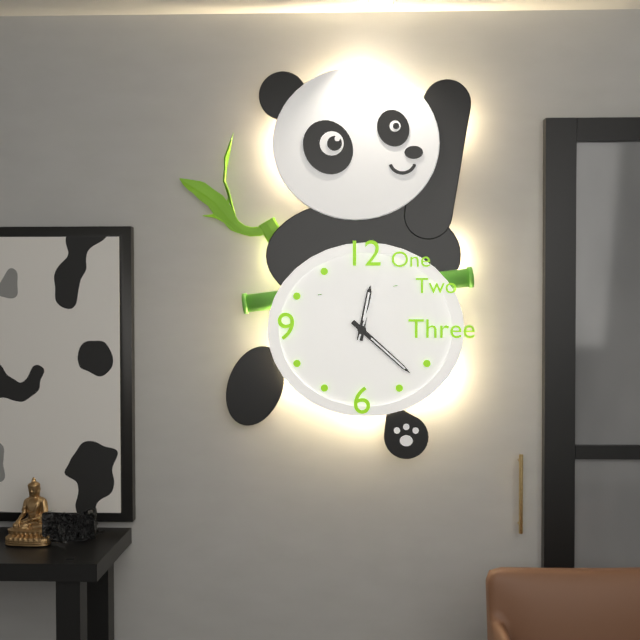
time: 12:22:03
